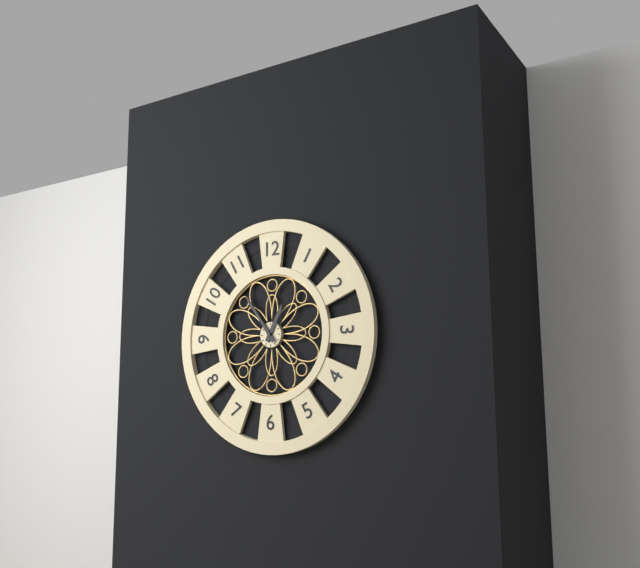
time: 12:54
